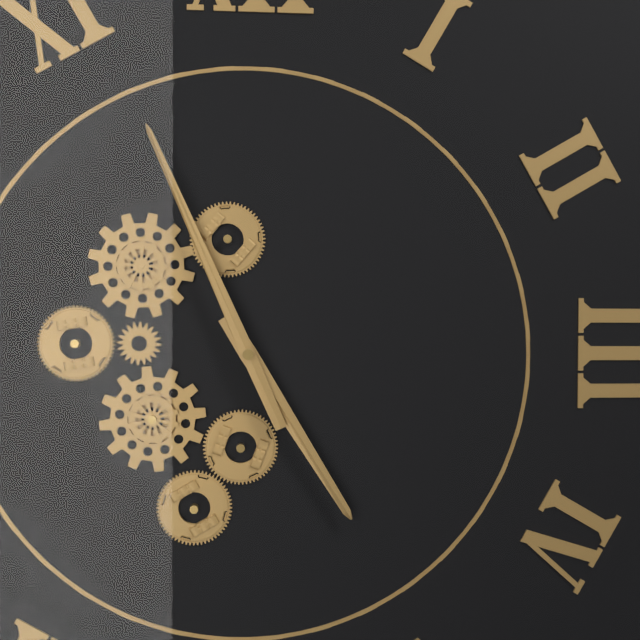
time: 4:56
